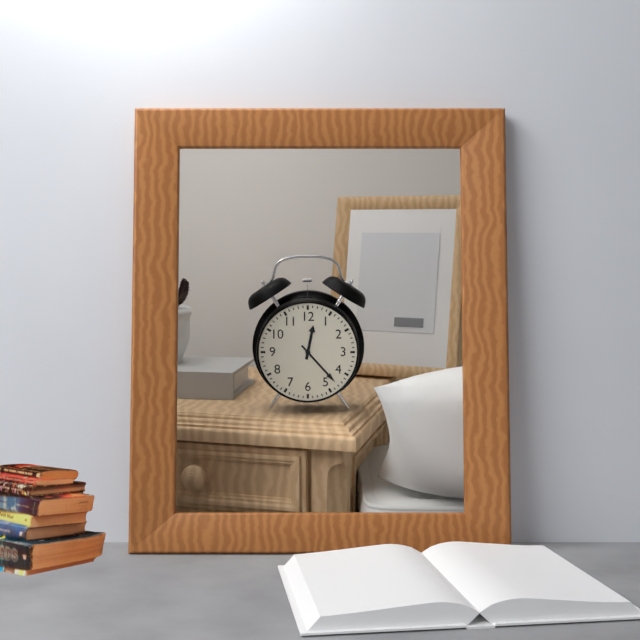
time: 12:23
